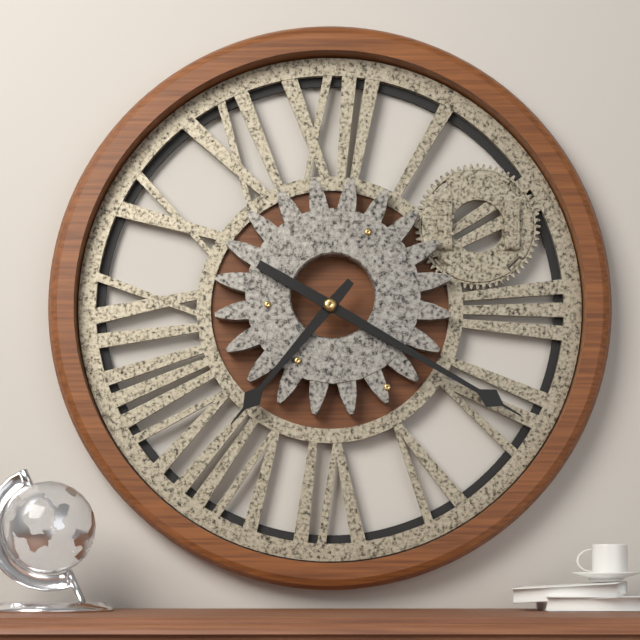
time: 7:20
